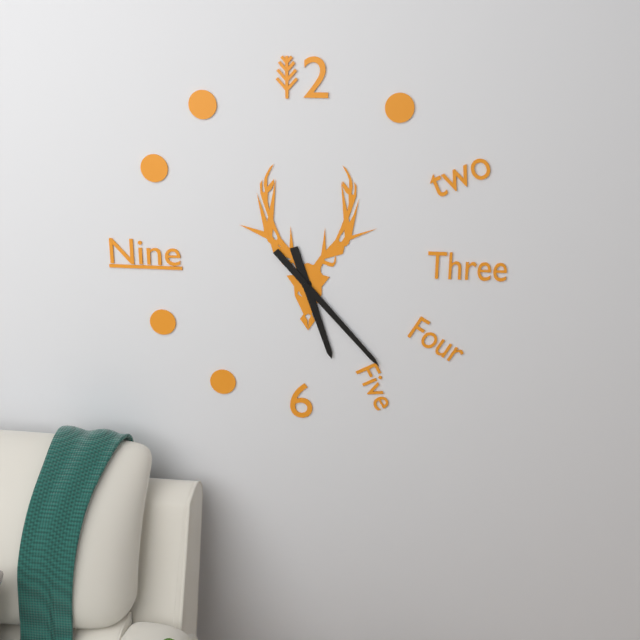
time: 5:23
